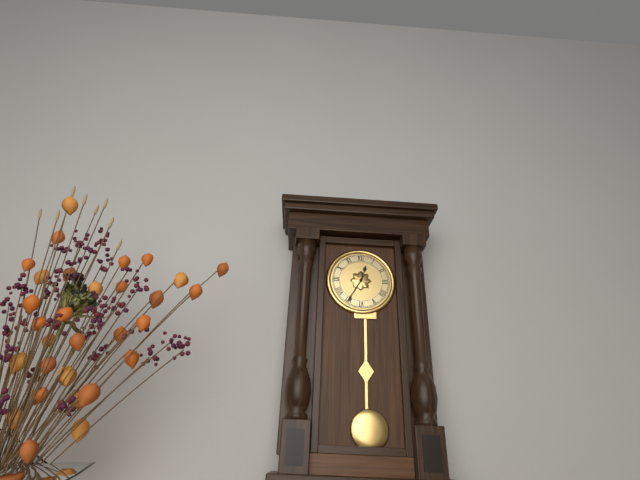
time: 12:35
